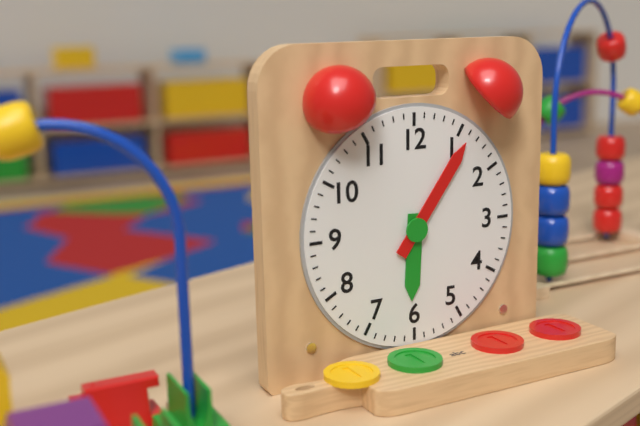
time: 6:06
